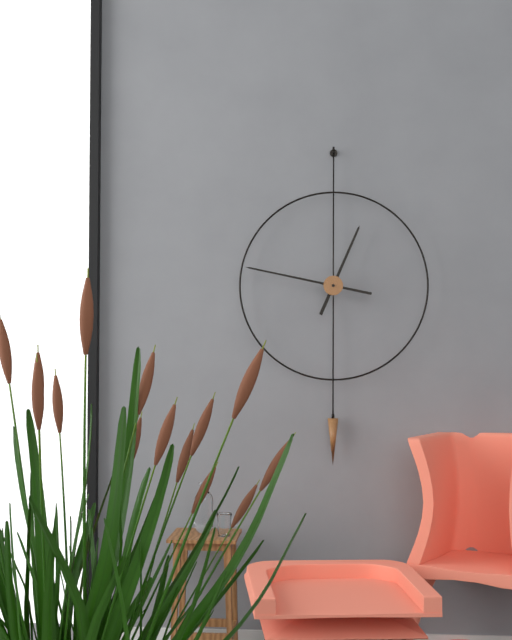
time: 12:47
